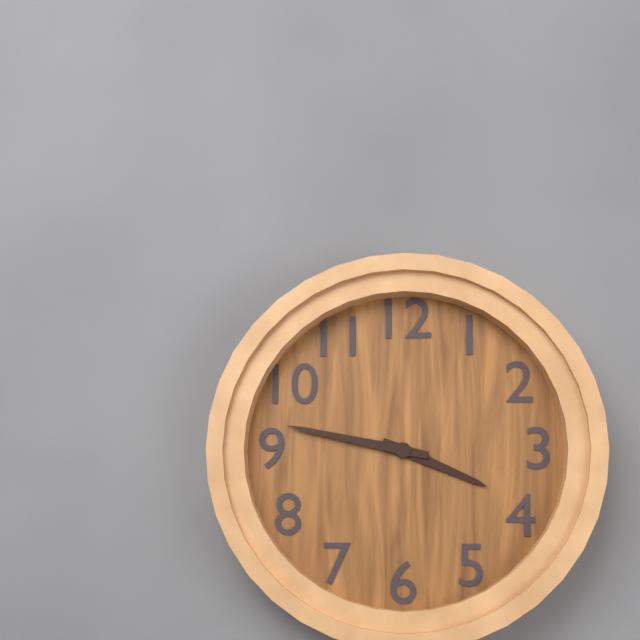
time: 3:47
